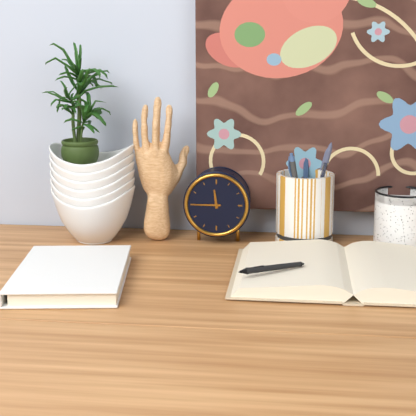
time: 11:45
